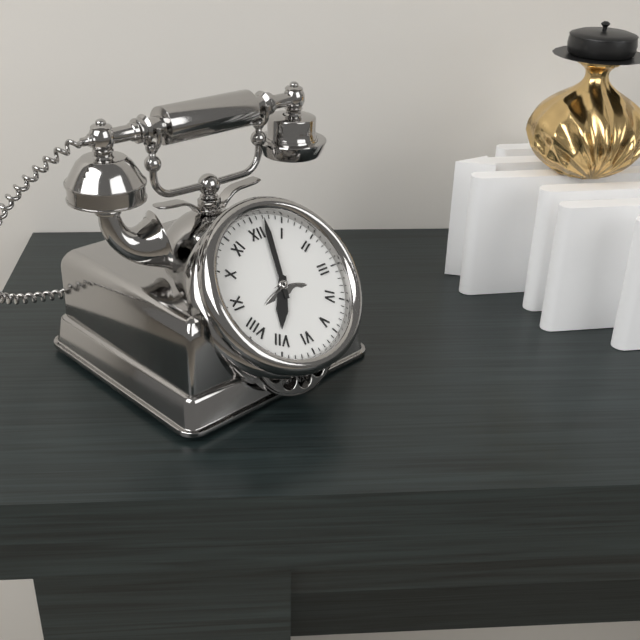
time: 7:02
